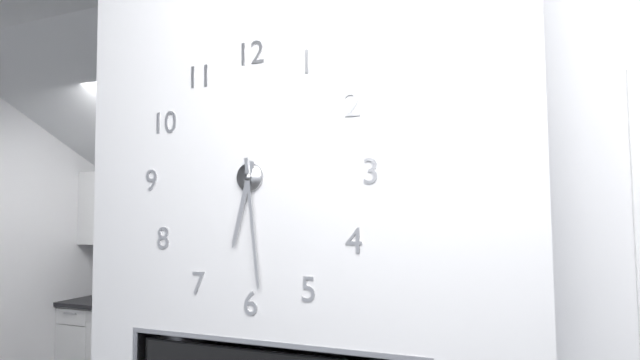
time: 6:29
